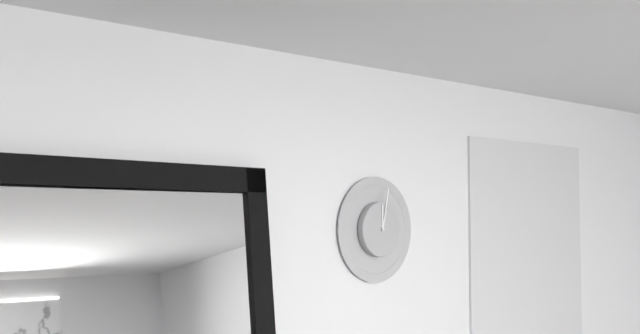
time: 12:02
